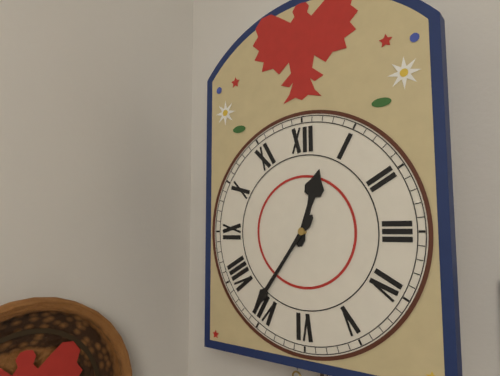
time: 12:36
